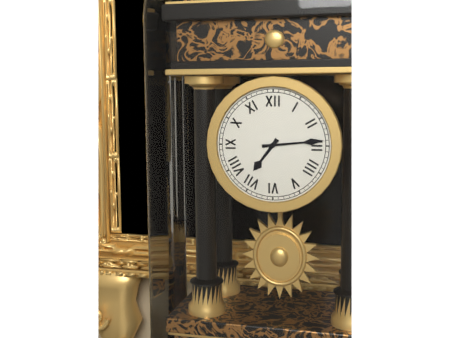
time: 7:14
